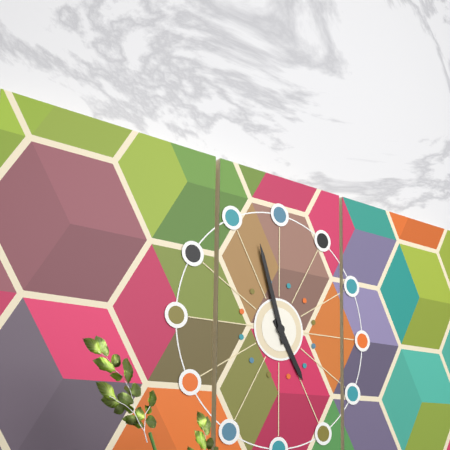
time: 4:57
